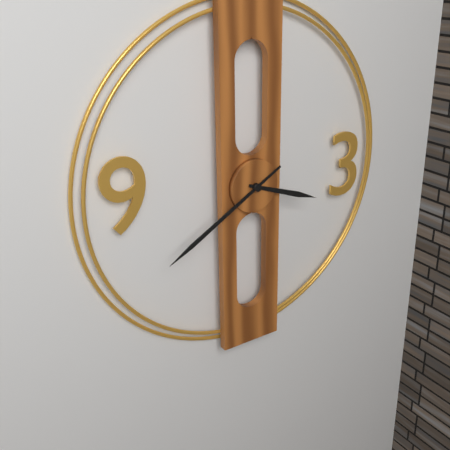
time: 3:40
